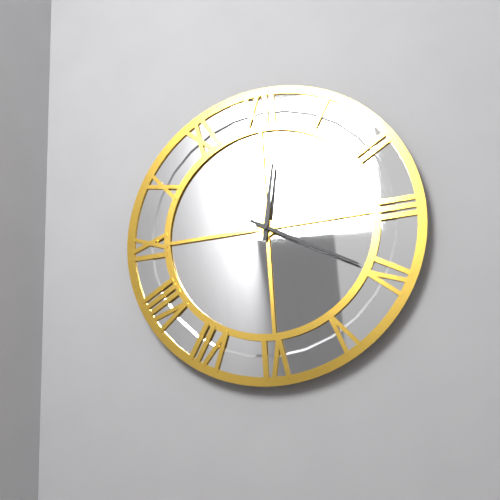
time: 12:20
